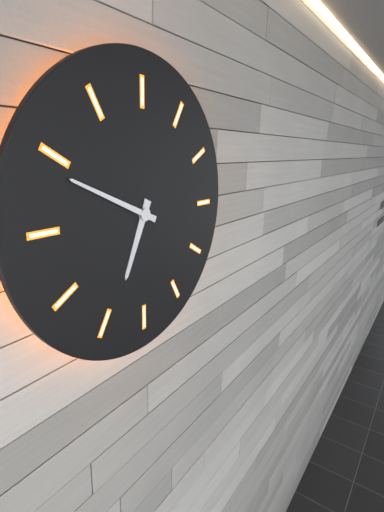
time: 6:49
